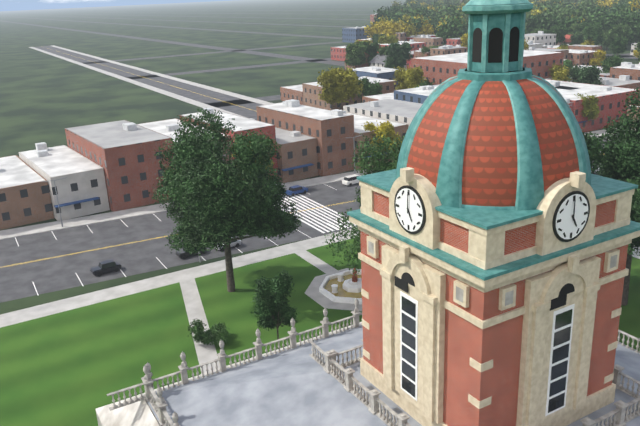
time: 5:00
